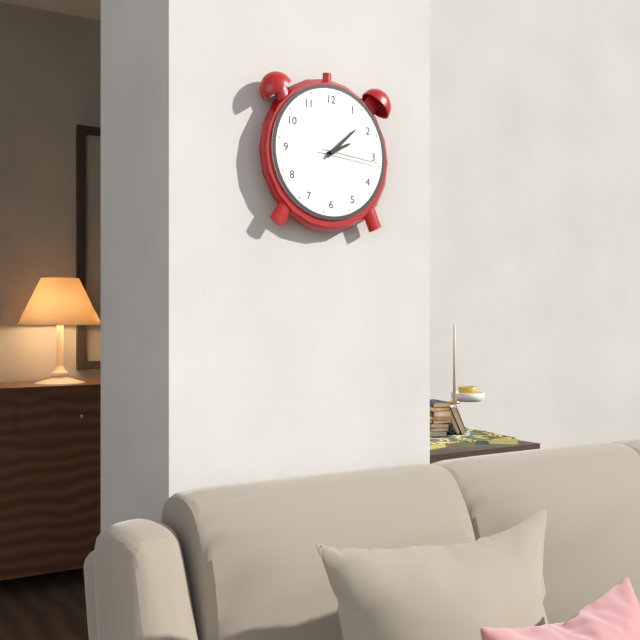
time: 2:08:16
